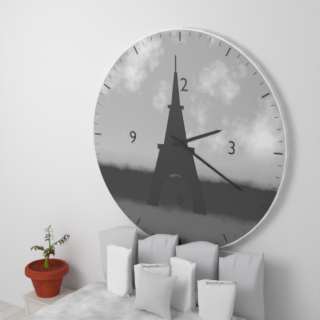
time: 2:20
